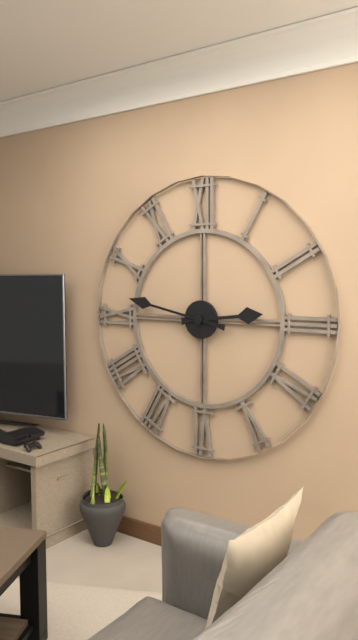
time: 2:47
